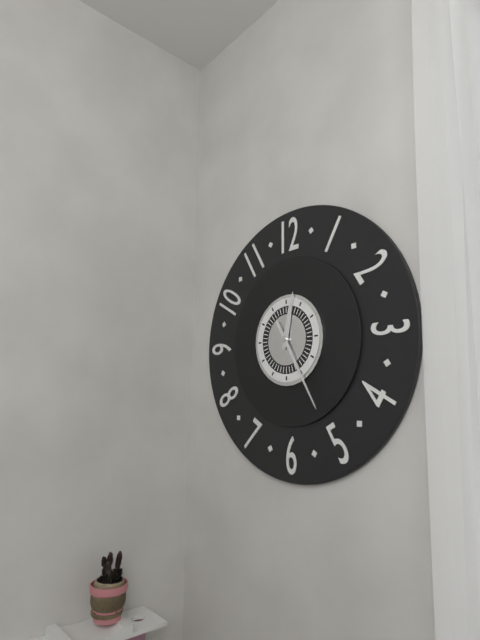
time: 12:25
